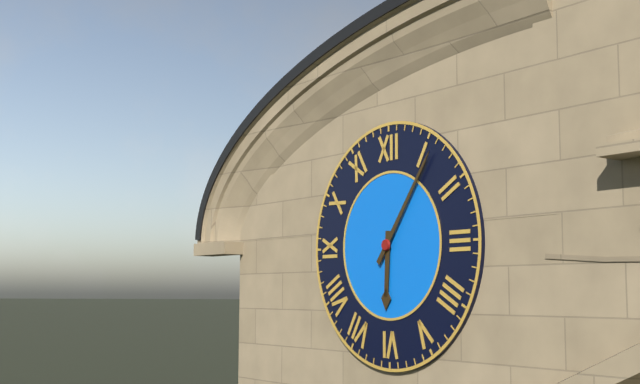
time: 6:06
